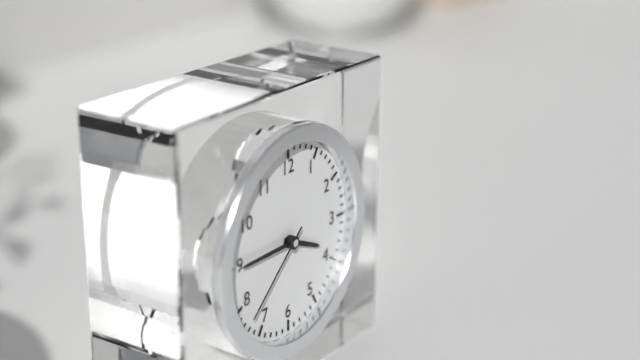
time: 3:45:38
